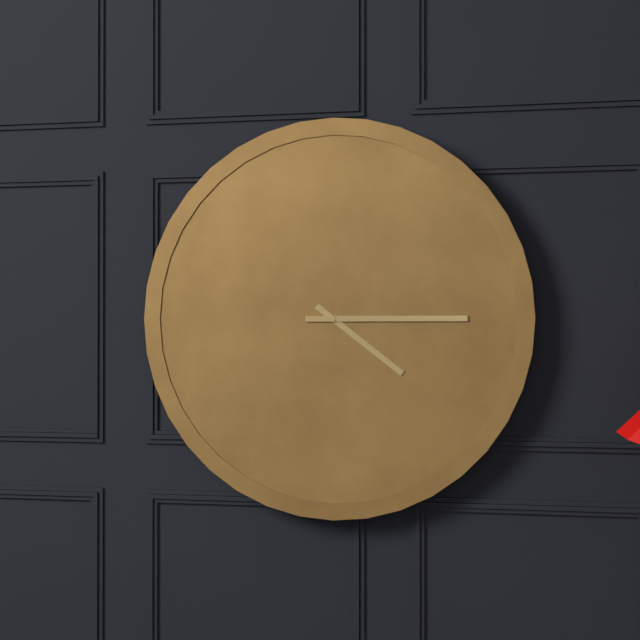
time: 4:15
